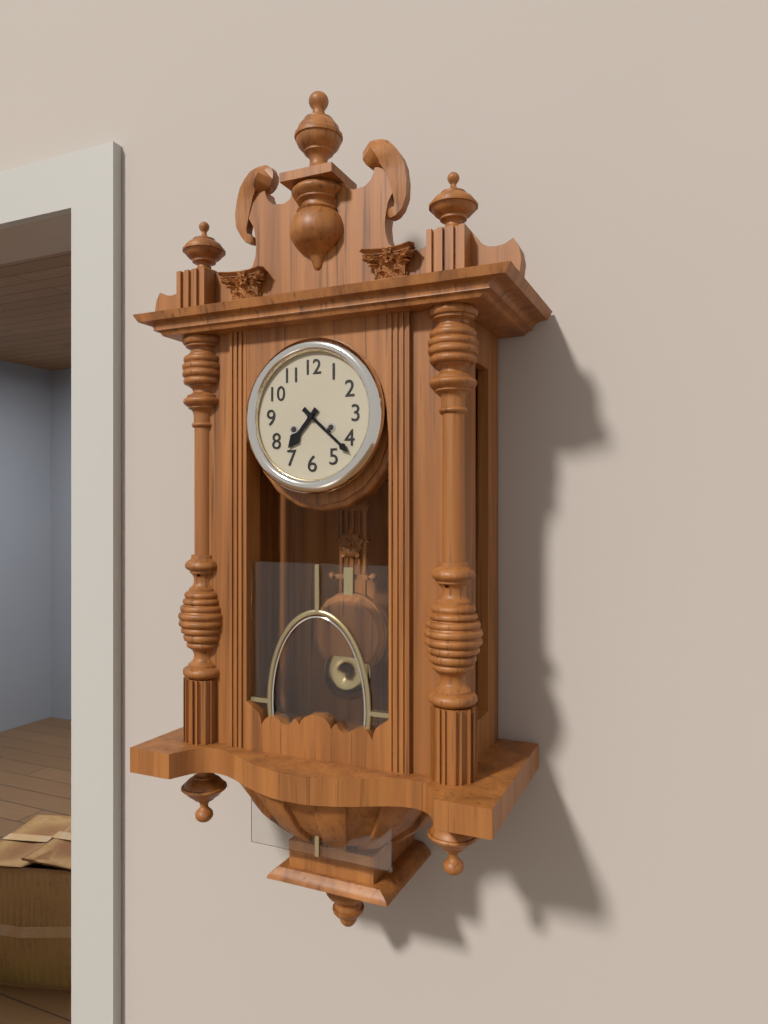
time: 7:22
